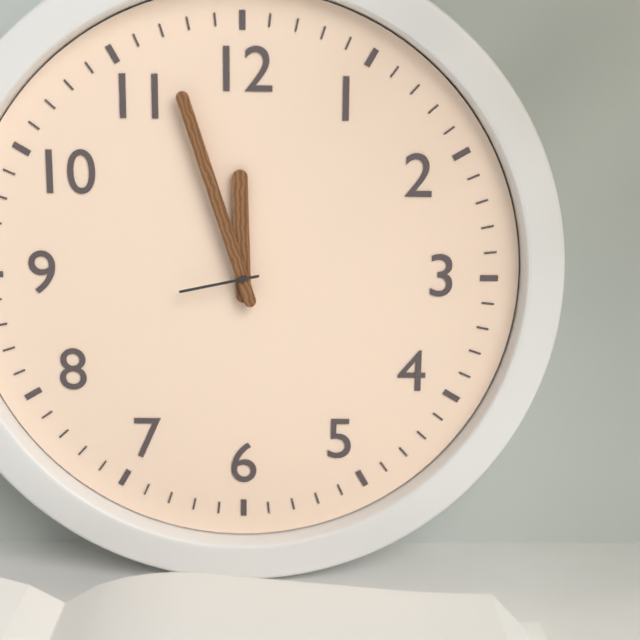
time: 11:57:43
